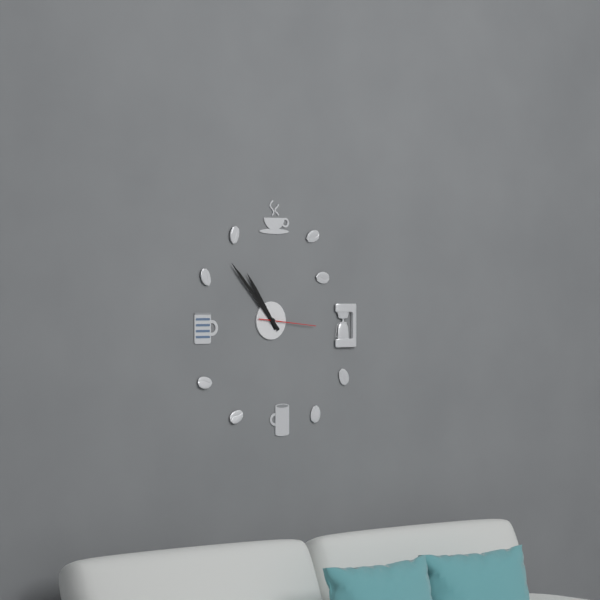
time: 10:53:16
